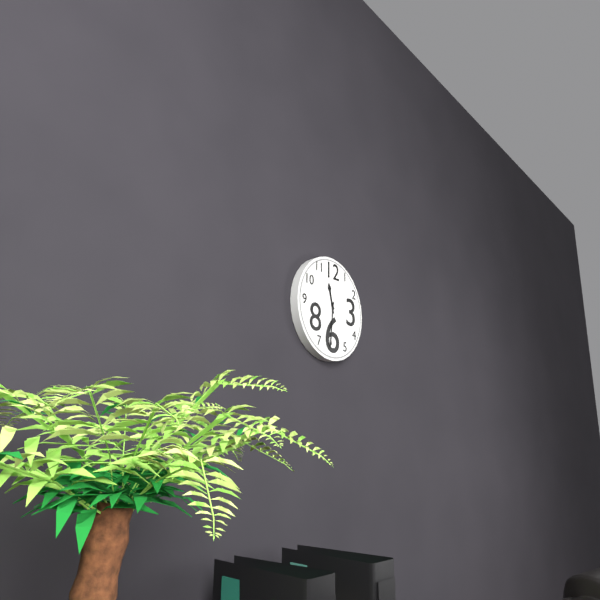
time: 11:31
